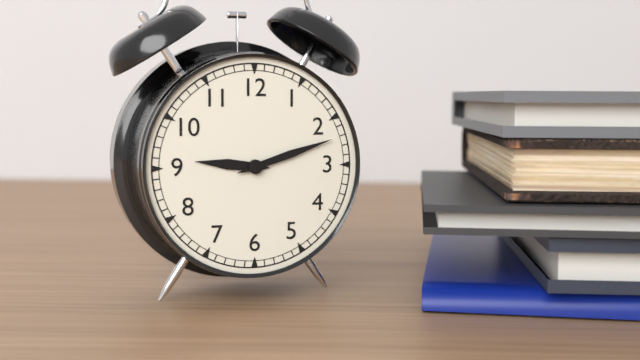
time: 9:12
